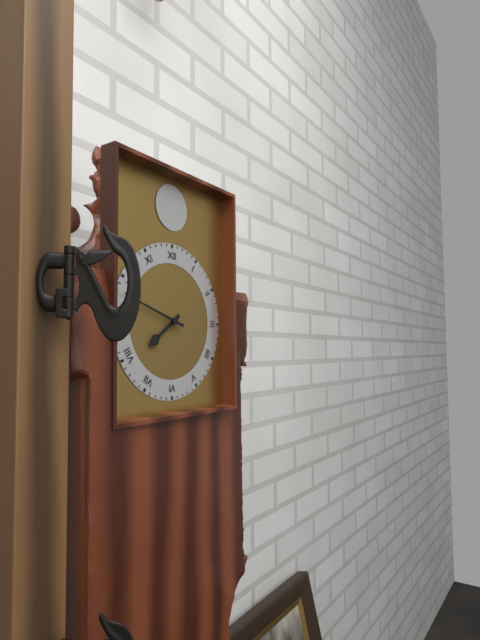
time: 7:48
